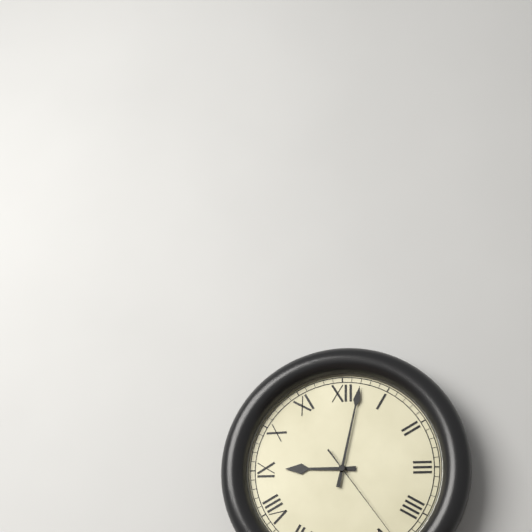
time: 9:02
